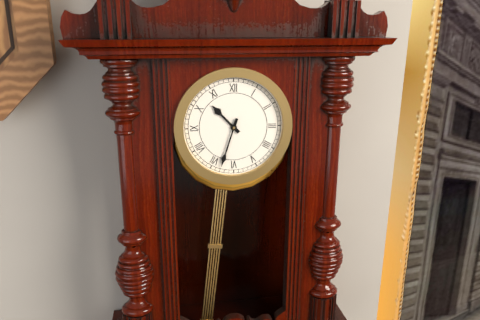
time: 10:33
